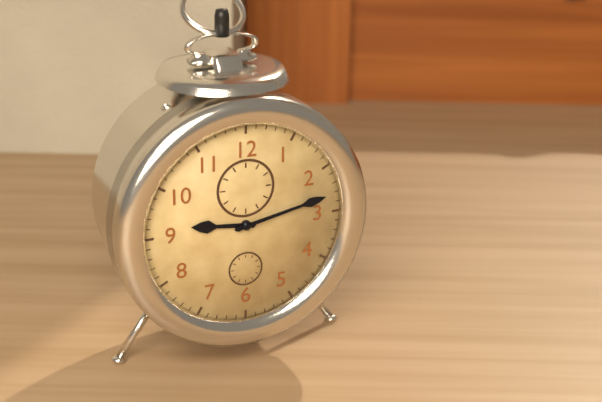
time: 9:13
